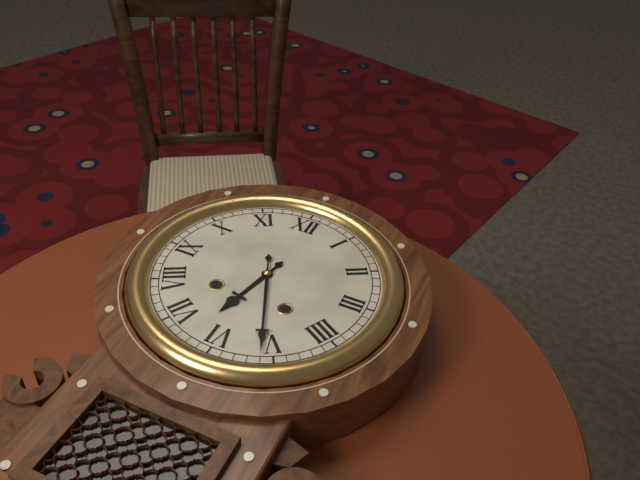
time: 6:26
